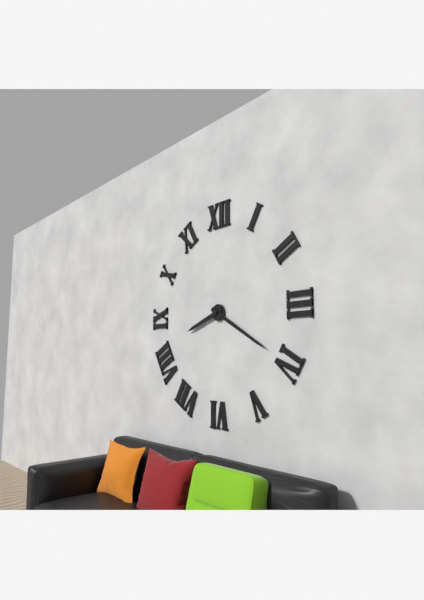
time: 8:20
